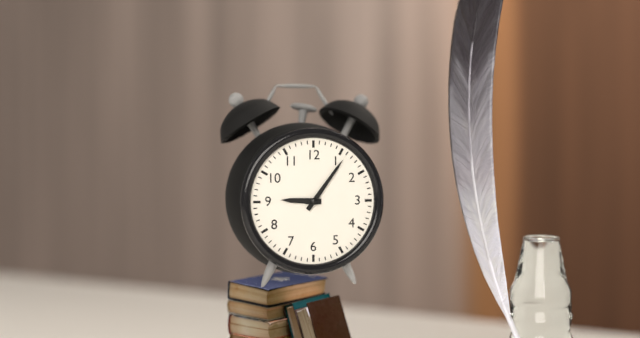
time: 9:06
